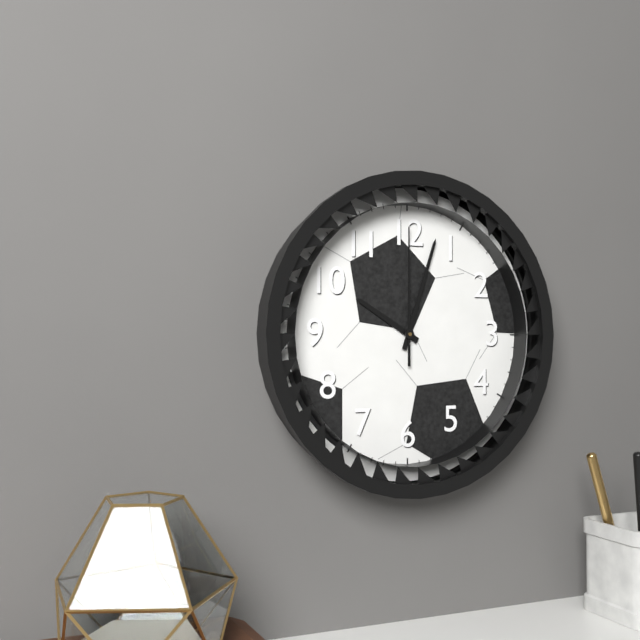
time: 10:03:00
